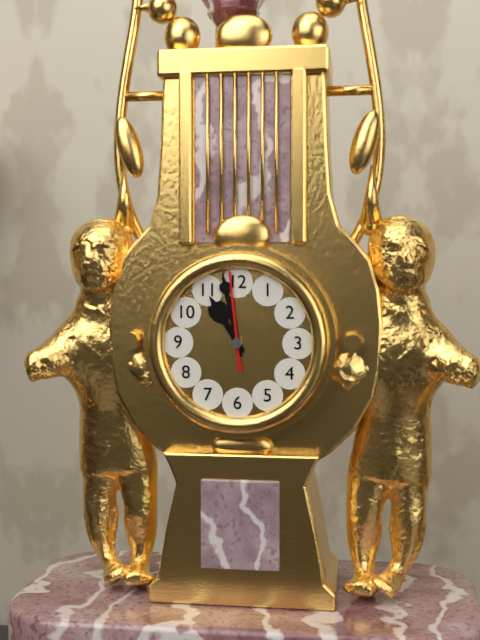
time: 10:58:59
